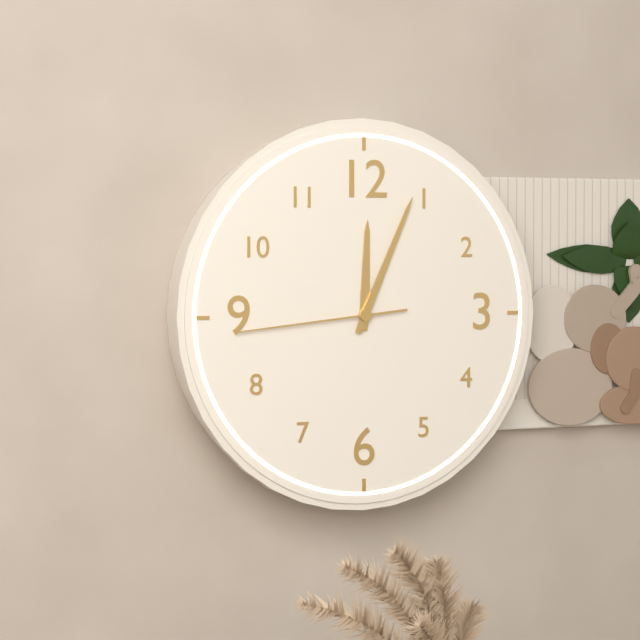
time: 12:04:44
